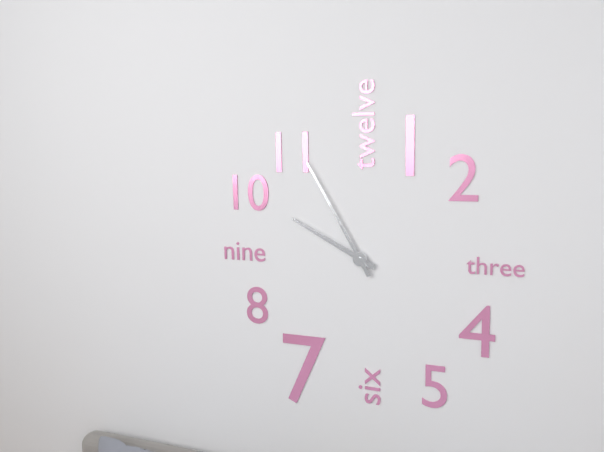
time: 9:55
